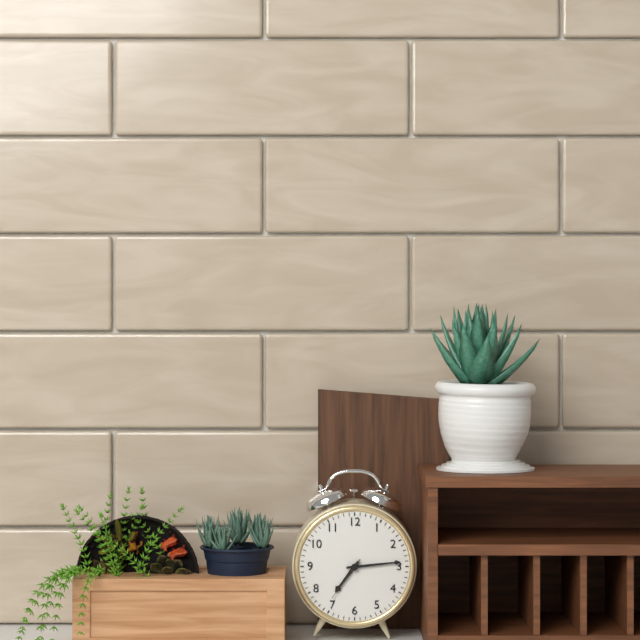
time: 7:14
